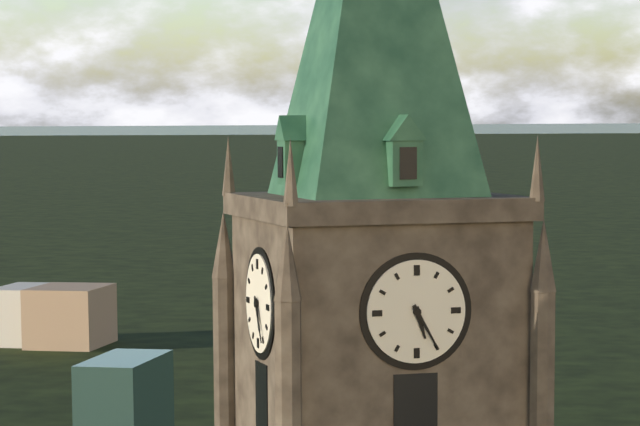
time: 5:25
